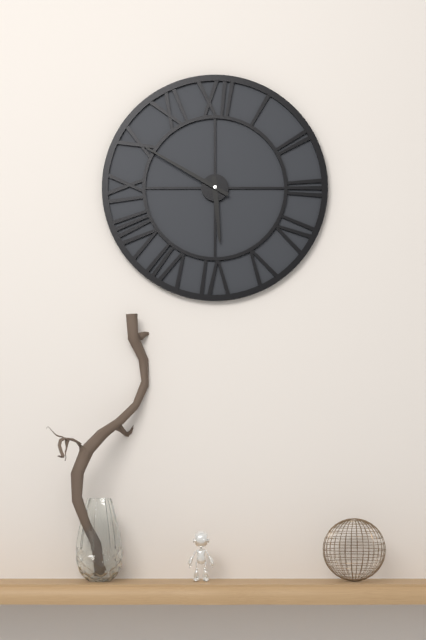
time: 5:50
